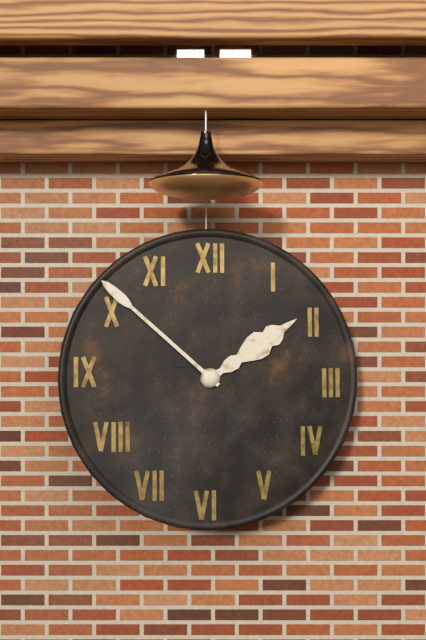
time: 1:52
